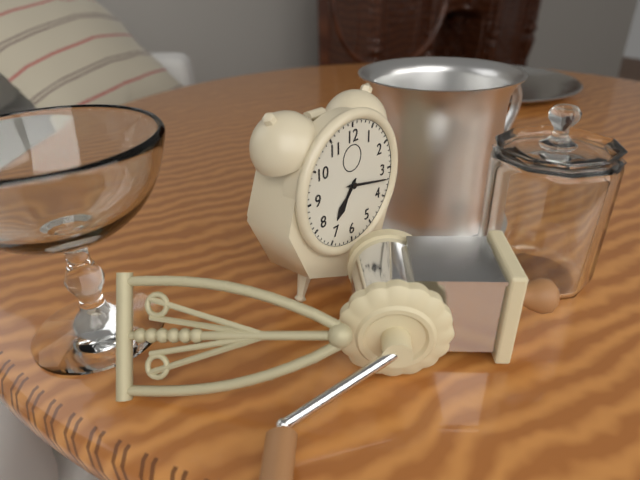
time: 7:17
